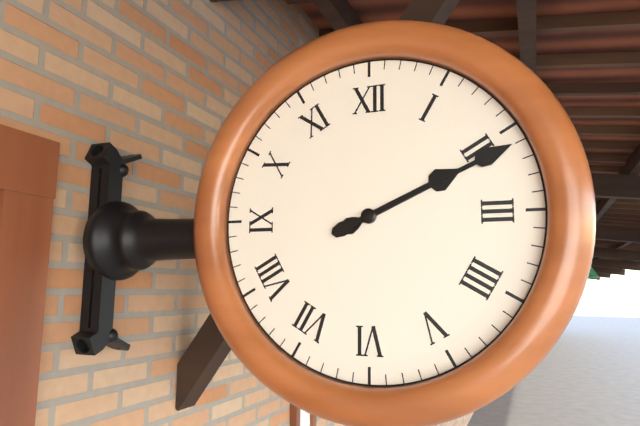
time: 2:11
